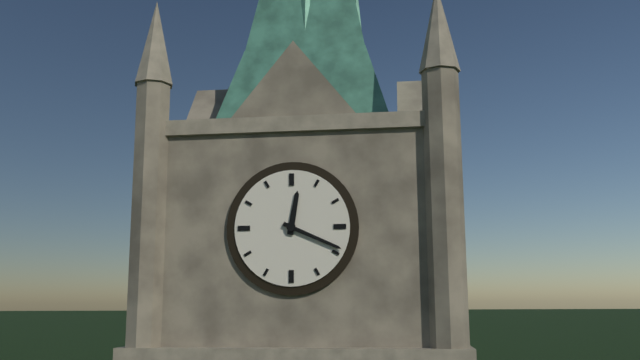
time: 12:19
